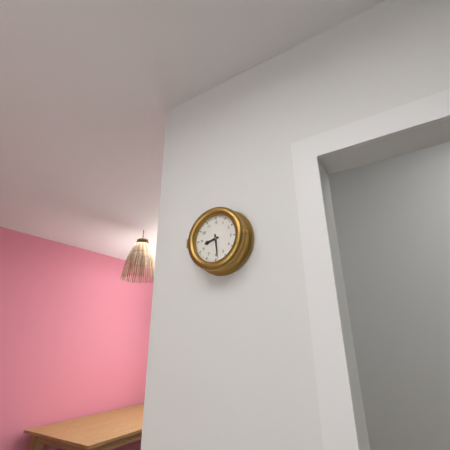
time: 8:29
